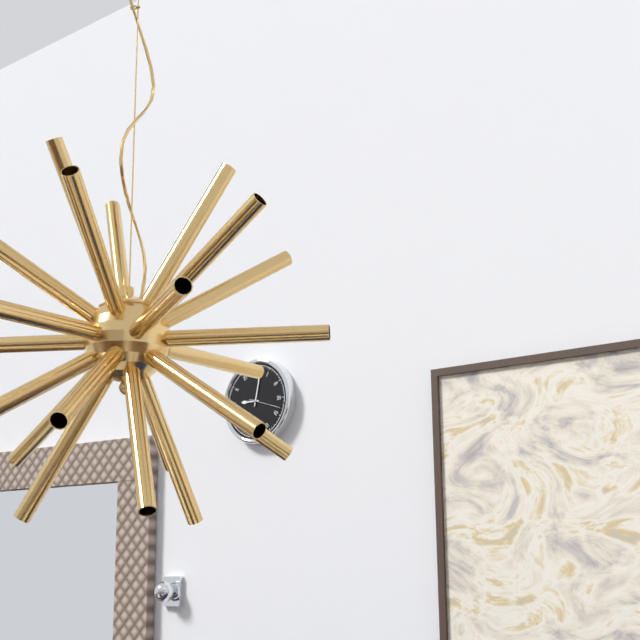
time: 9:02
